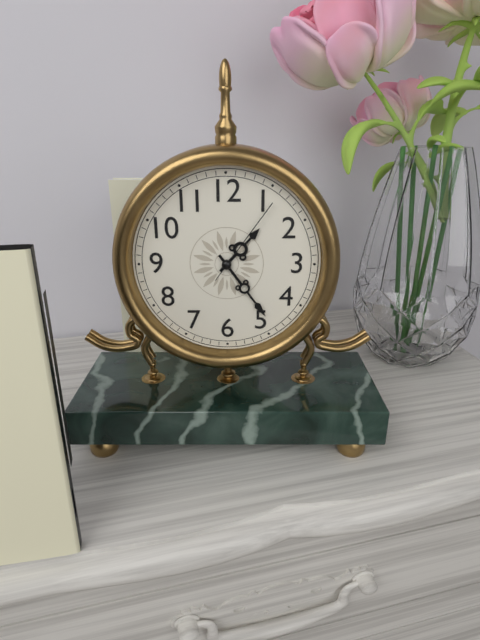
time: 1:24:06
